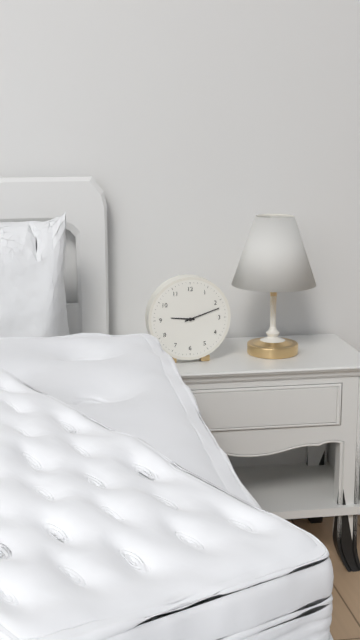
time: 9:12
